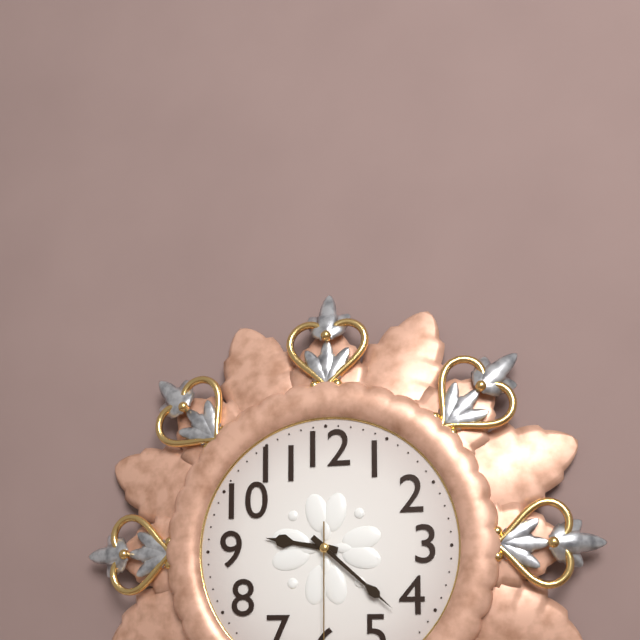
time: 9:22
